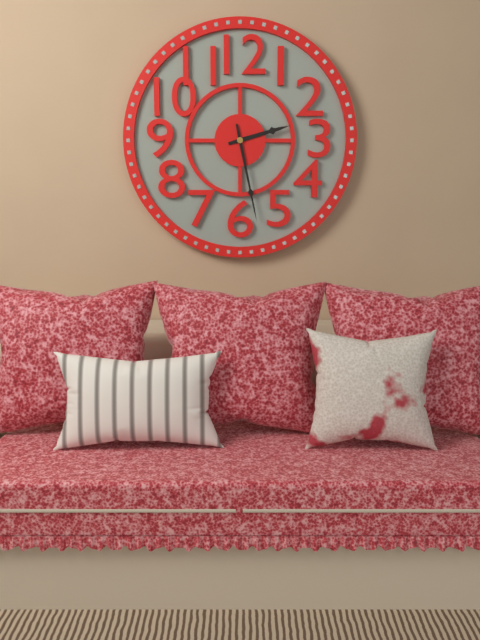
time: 2:28
